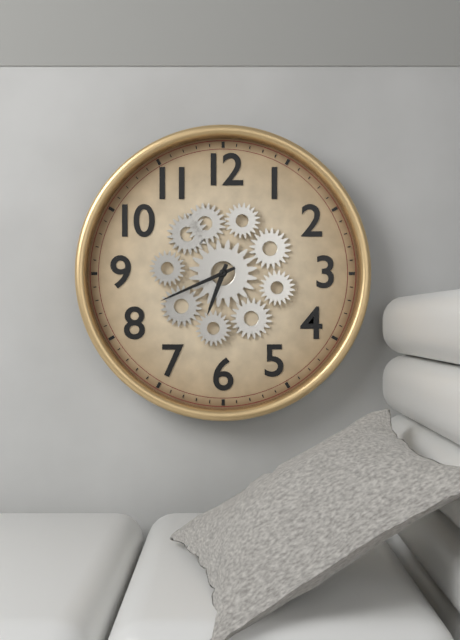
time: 6:41
